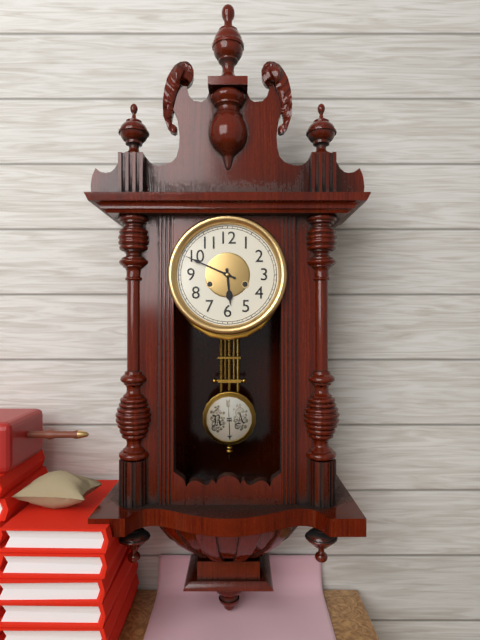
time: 5:49
